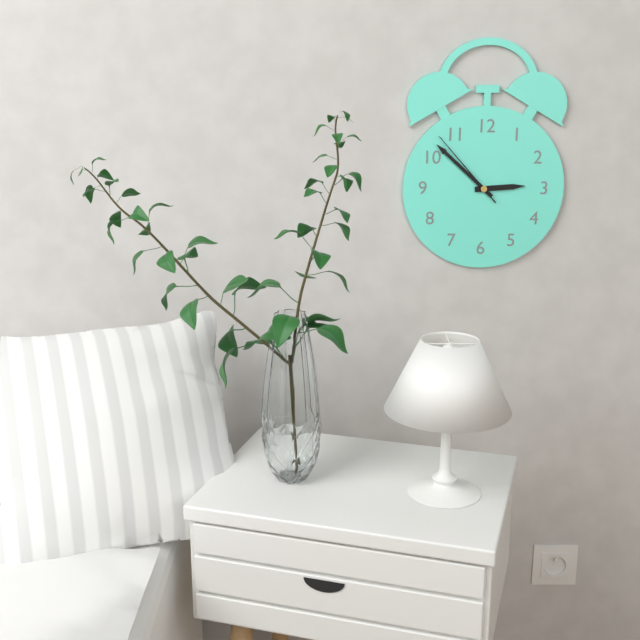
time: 2:52:53
